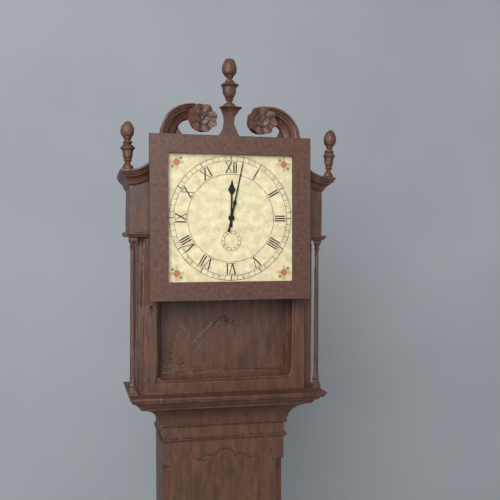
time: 12:02
